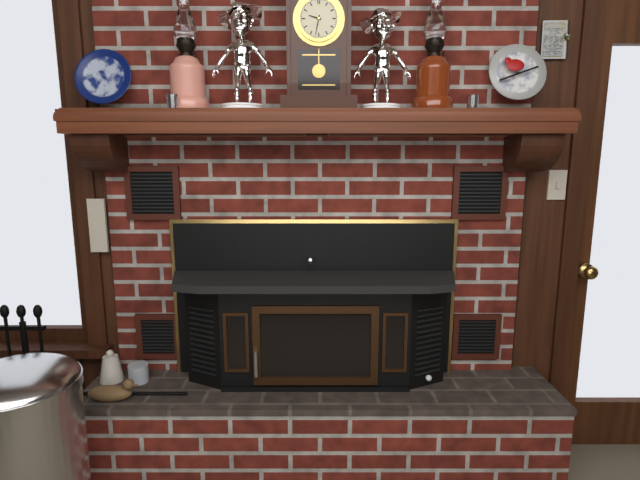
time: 9:32
